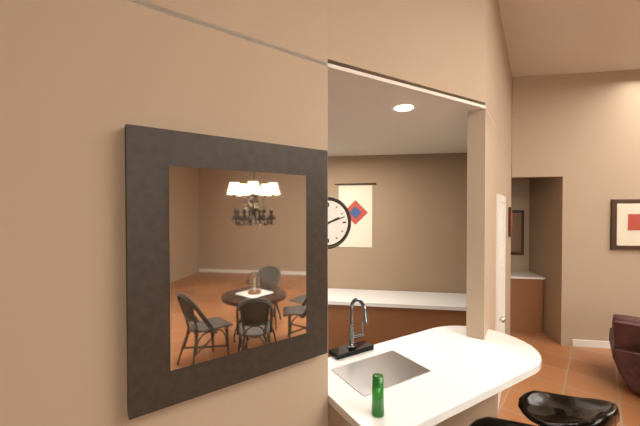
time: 2:12
